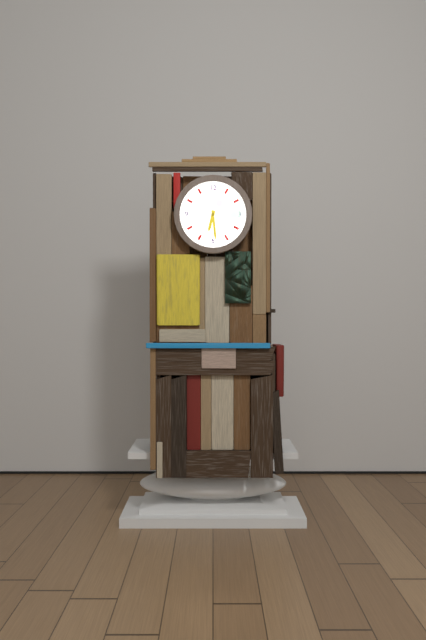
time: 6:29
